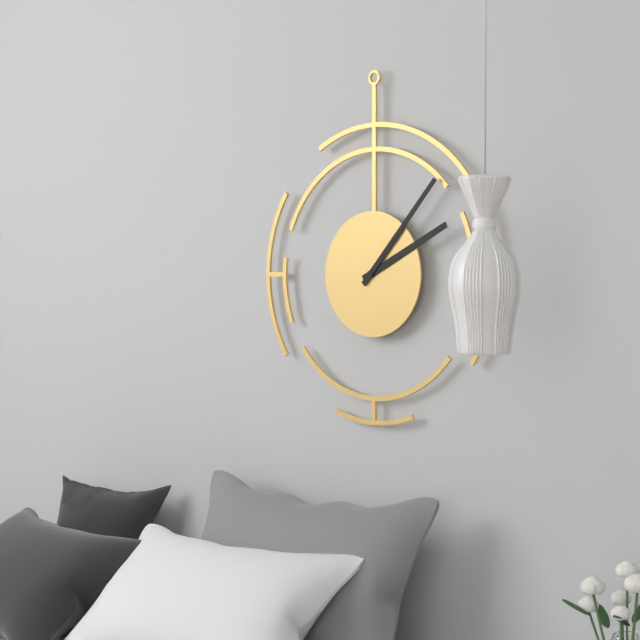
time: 2:07
